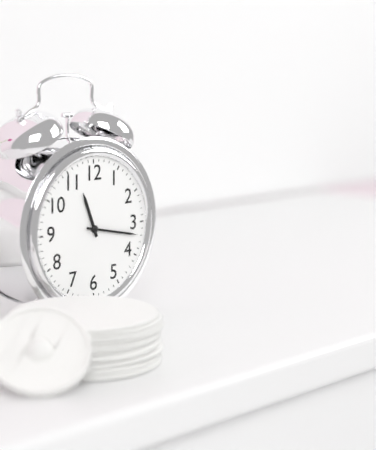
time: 11:17
